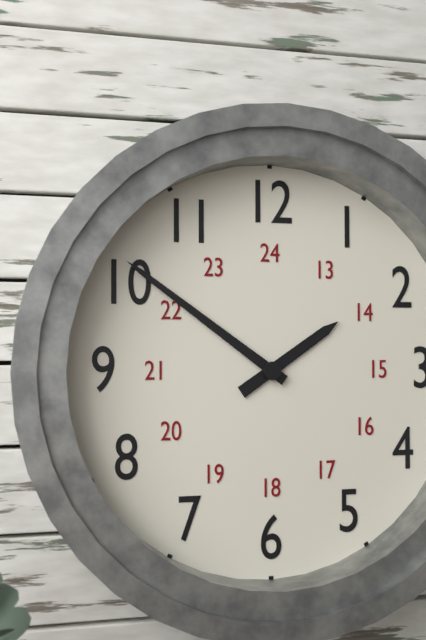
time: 1:51
